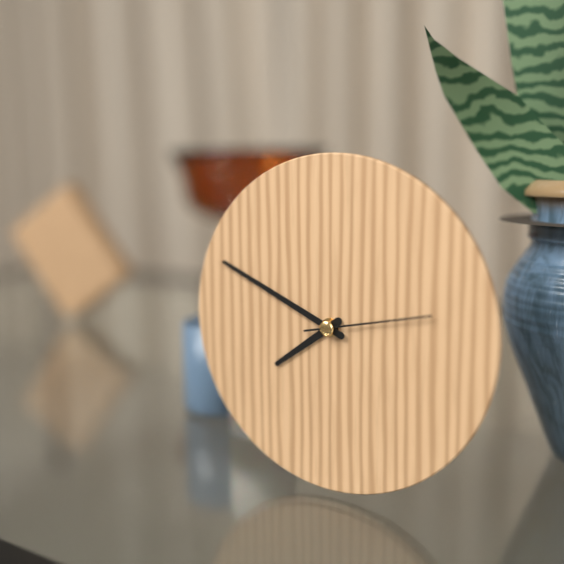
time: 7:49:13
